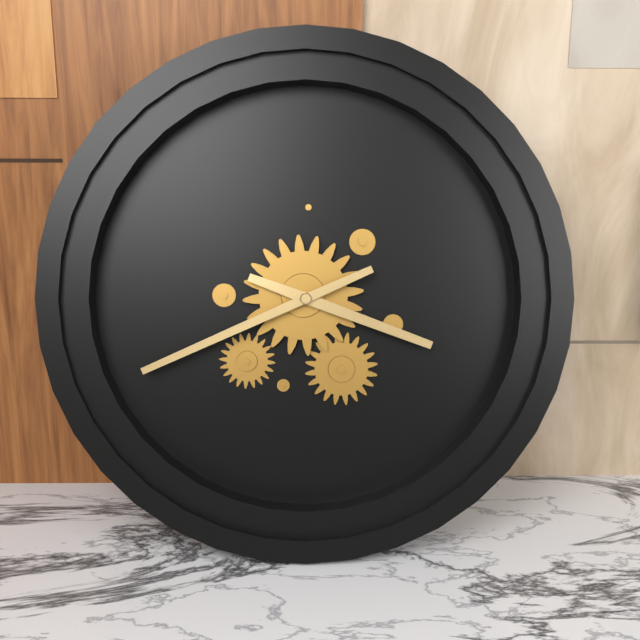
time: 3:41
